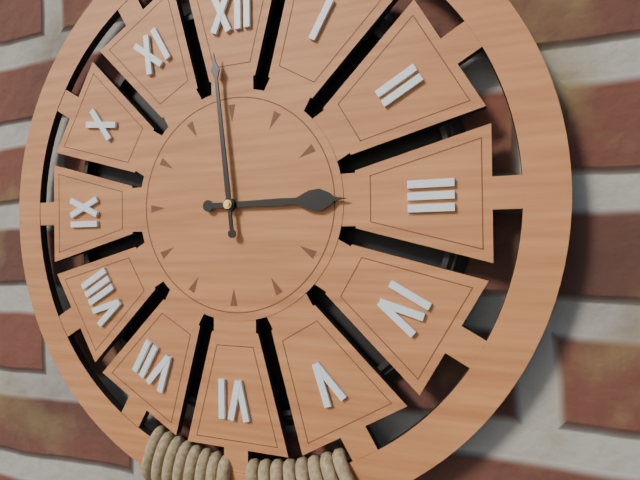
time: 2:59
